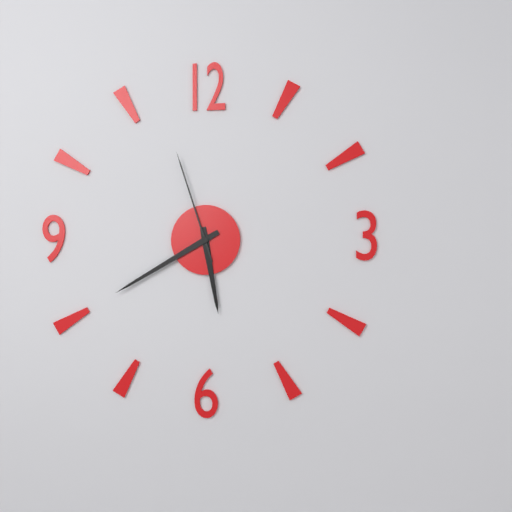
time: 5:40:57
